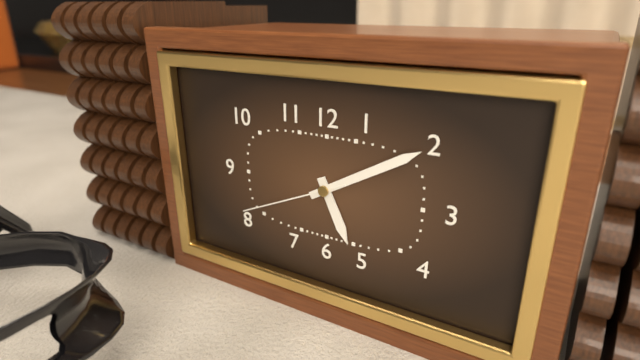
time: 5:10:41
